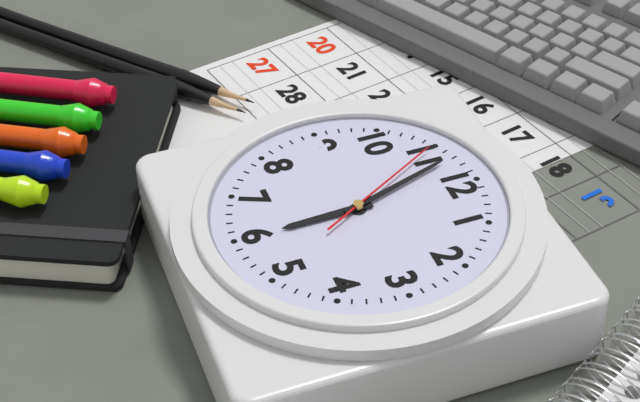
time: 5:57:55
